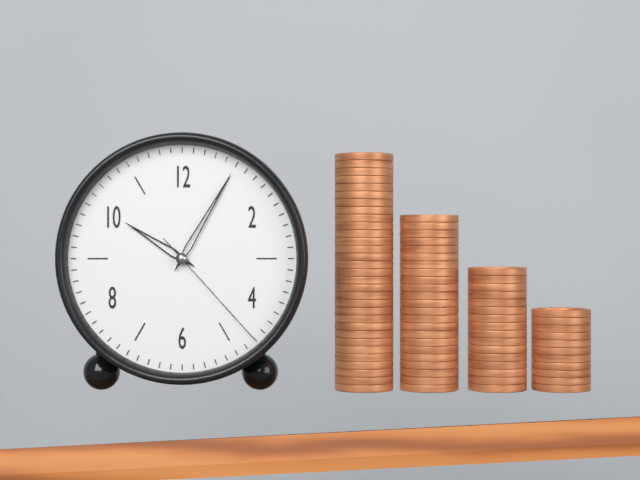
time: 10:05:23
